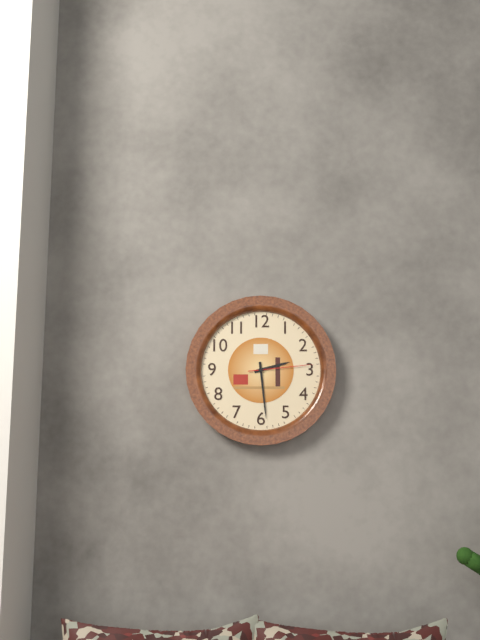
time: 2:29:14
